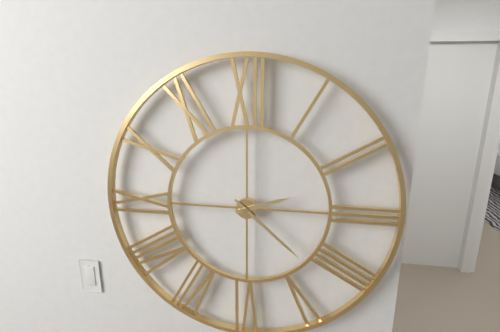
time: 2:22
